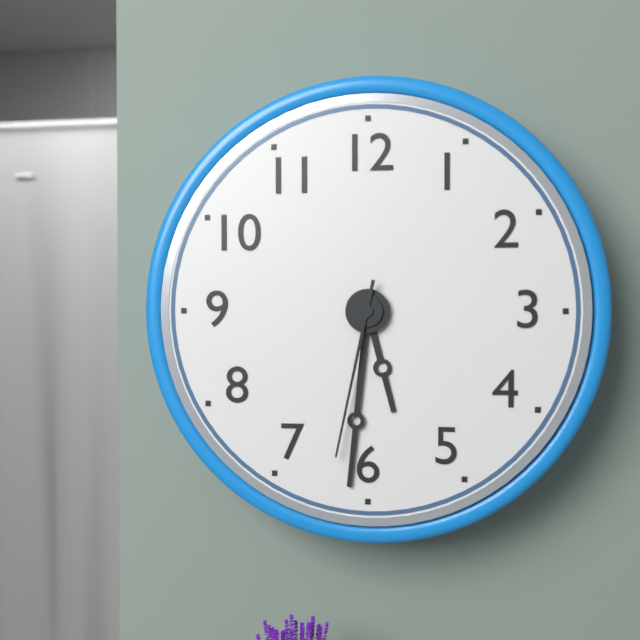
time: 5:31:32
